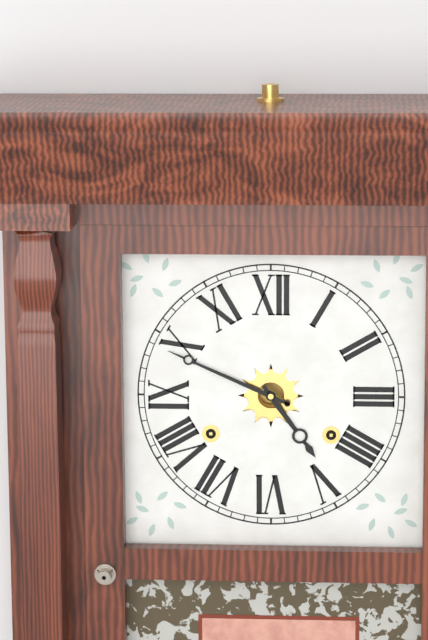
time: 4:49
